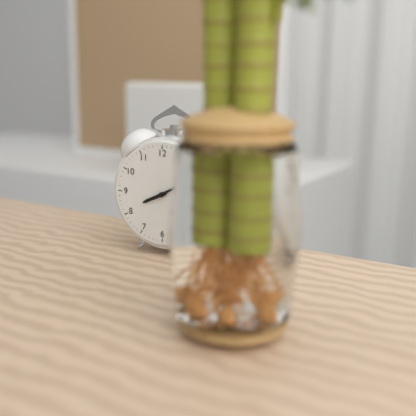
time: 8:10
